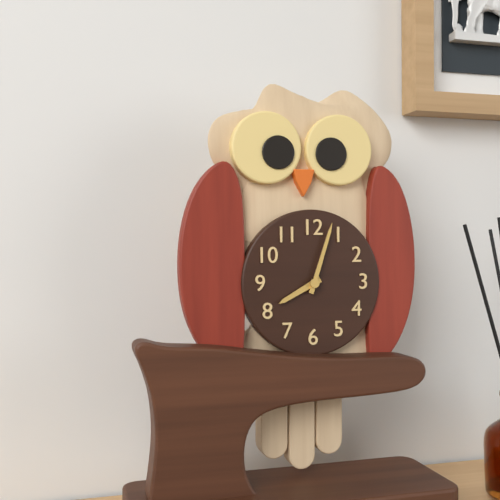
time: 8:03
